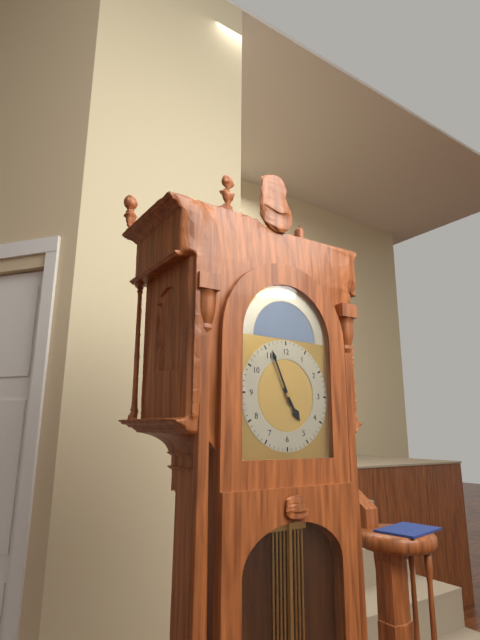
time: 4:56
